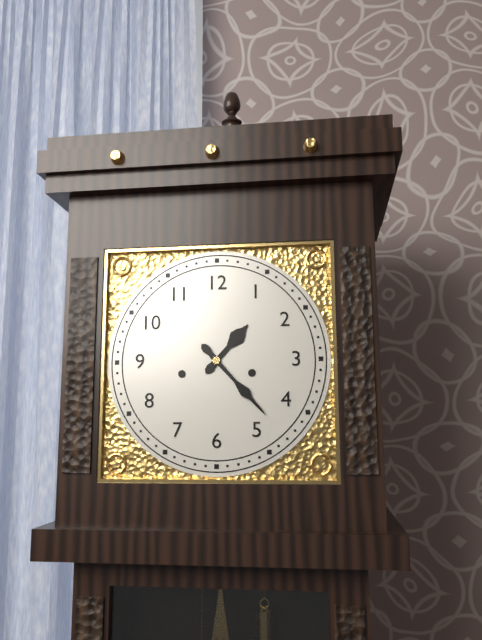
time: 1:23
